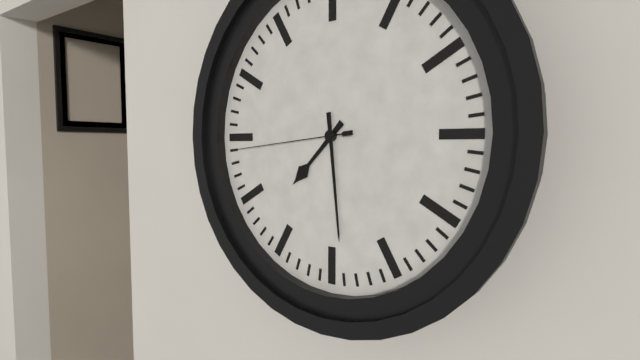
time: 7:29:44
